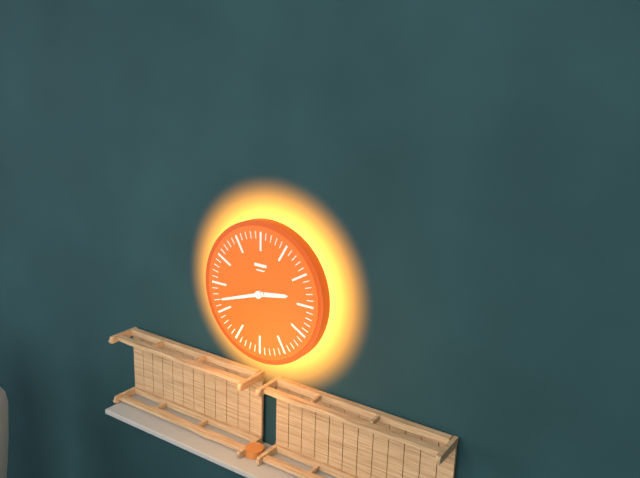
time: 2:42
